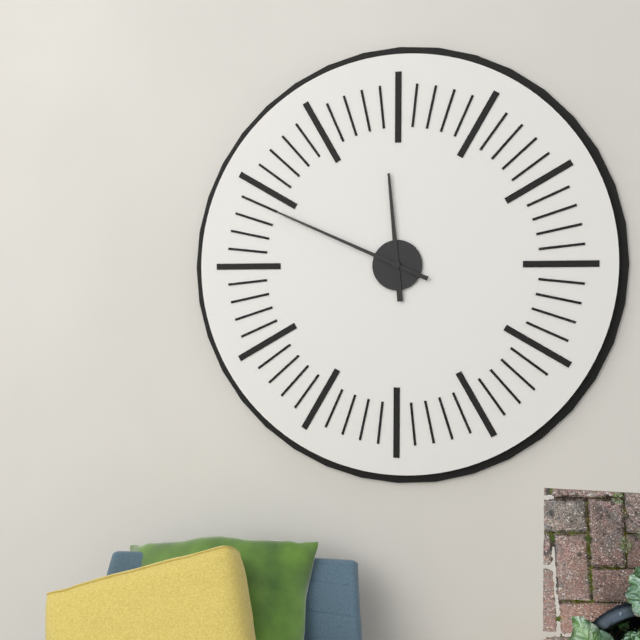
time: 11:49
